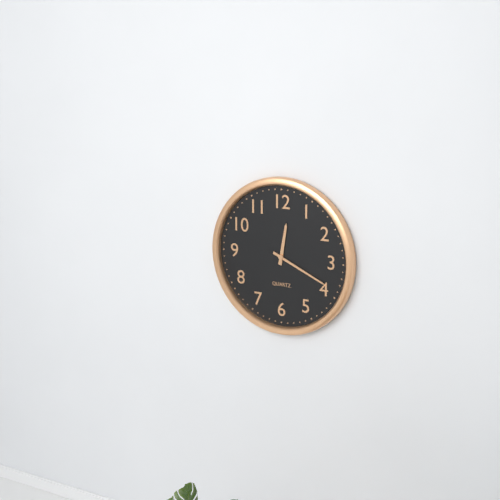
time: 12:19
